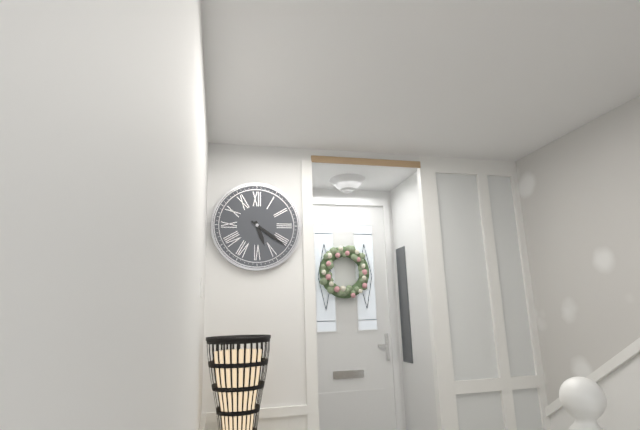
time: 5:21
